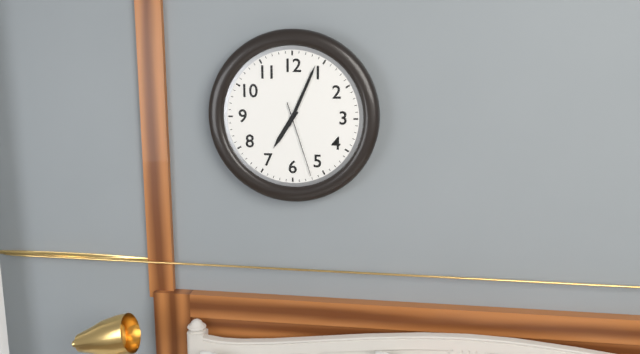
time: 7:04:27
